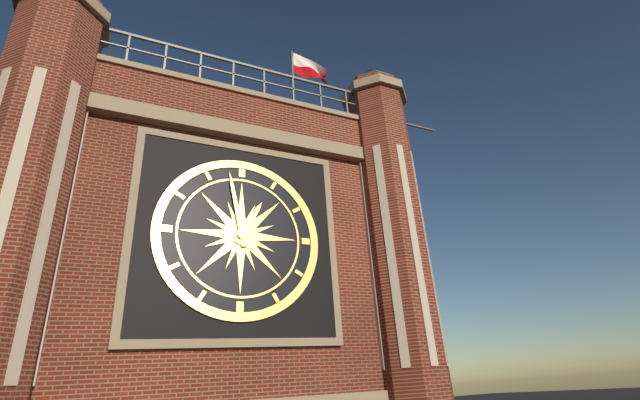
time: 12:58
